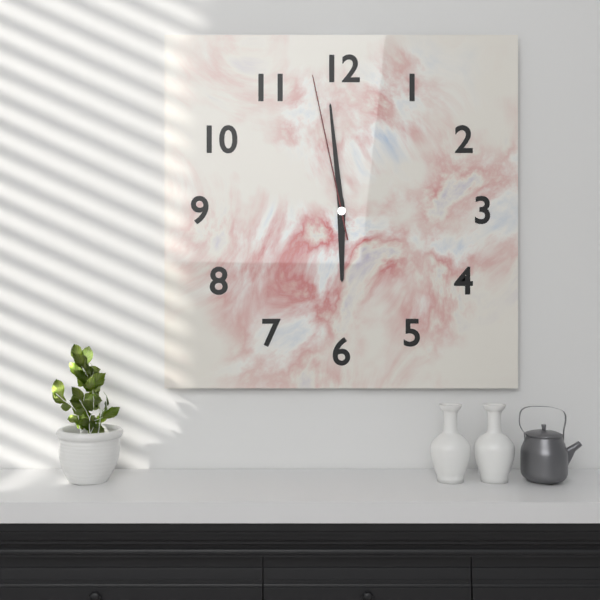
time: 5:59:58
